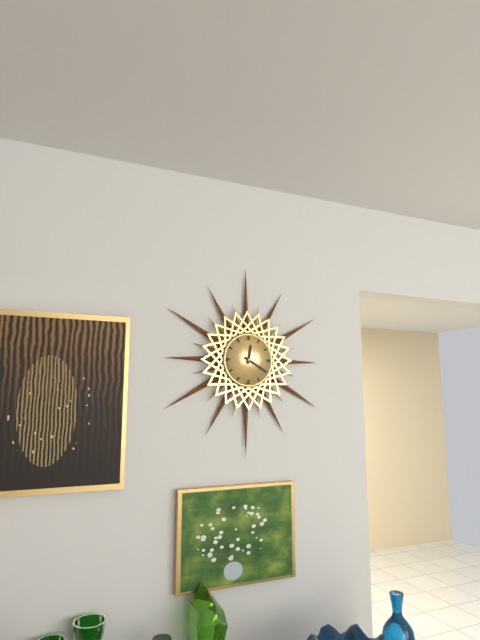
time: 12:20
